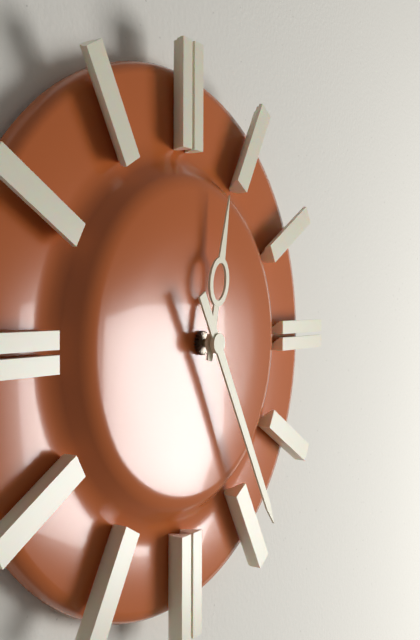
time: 12:25
